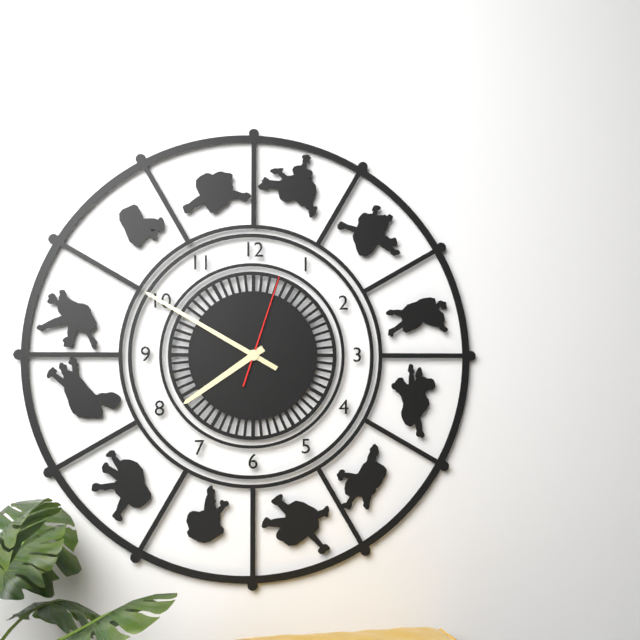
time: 7:50:03
